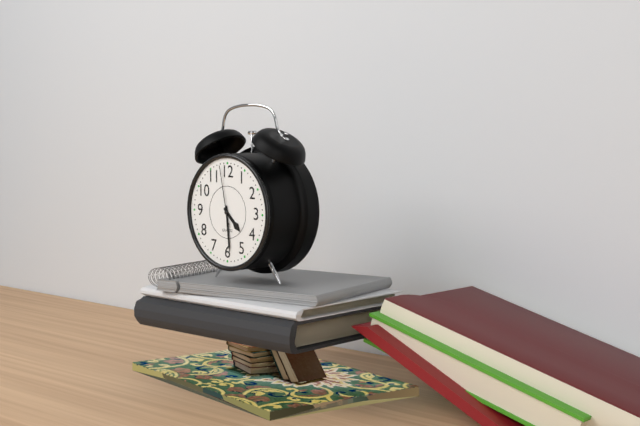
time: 4:29:58
